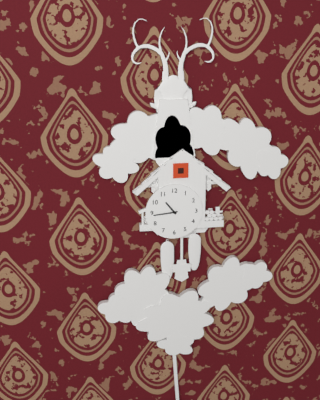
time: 10:44
